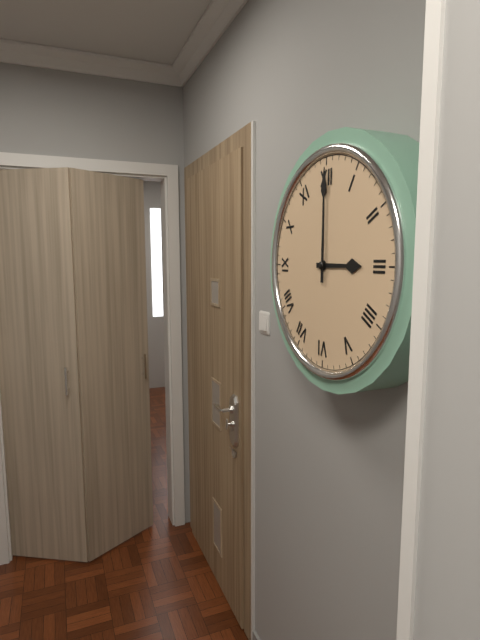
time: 3:00
